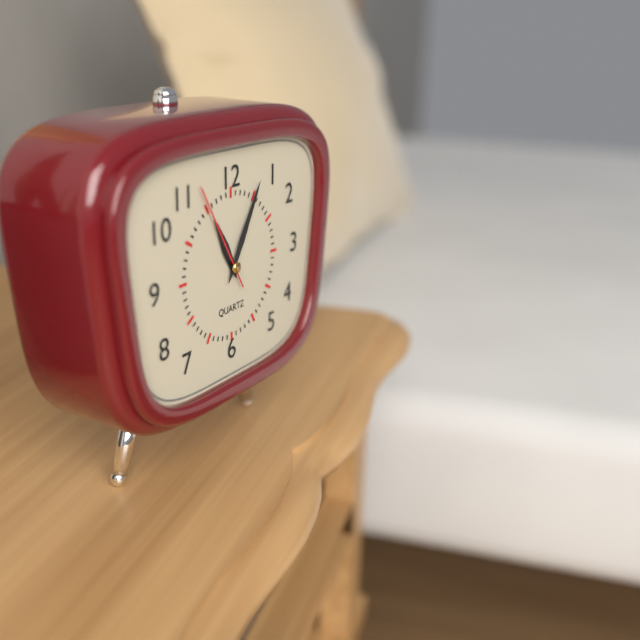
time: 11:05:55
